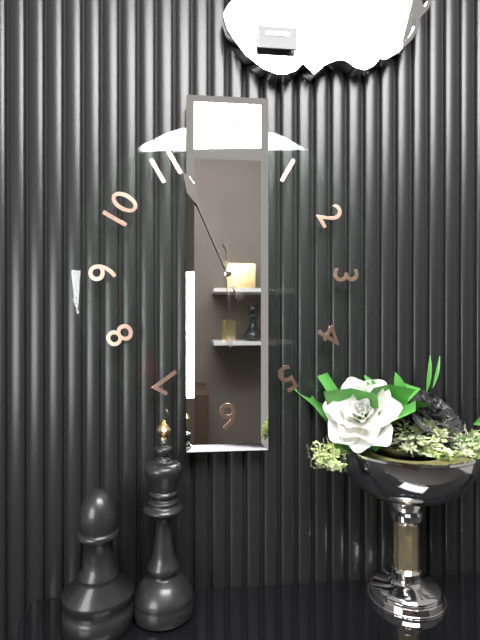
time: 5:56
